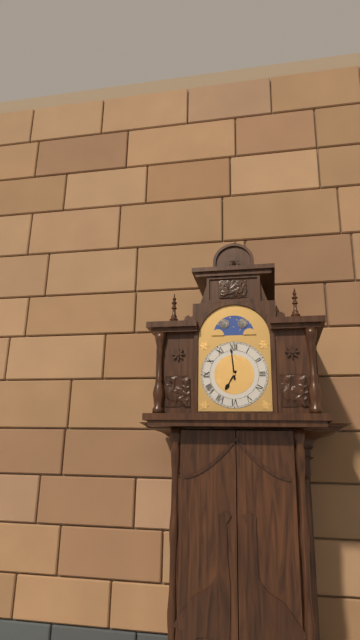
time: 6:59
